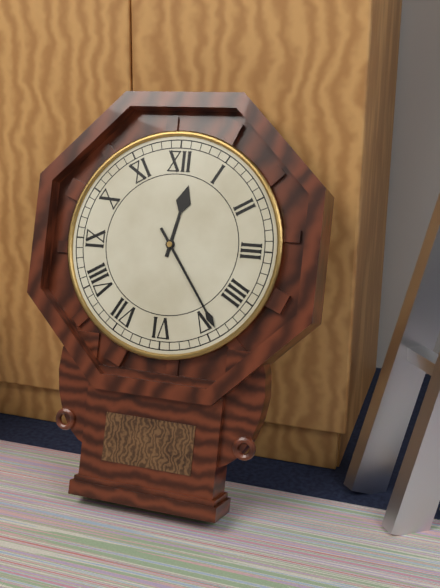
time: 12:24
